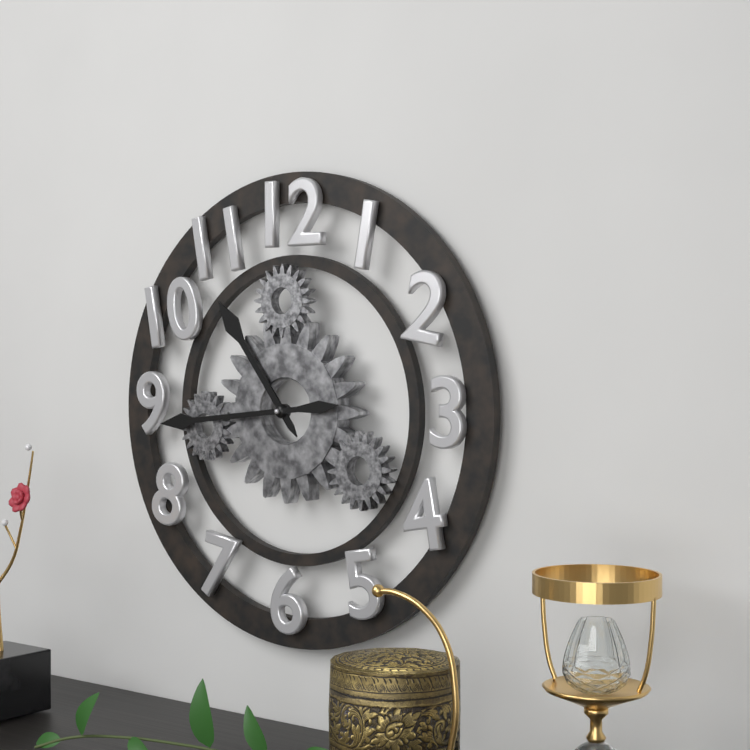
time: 10:44
